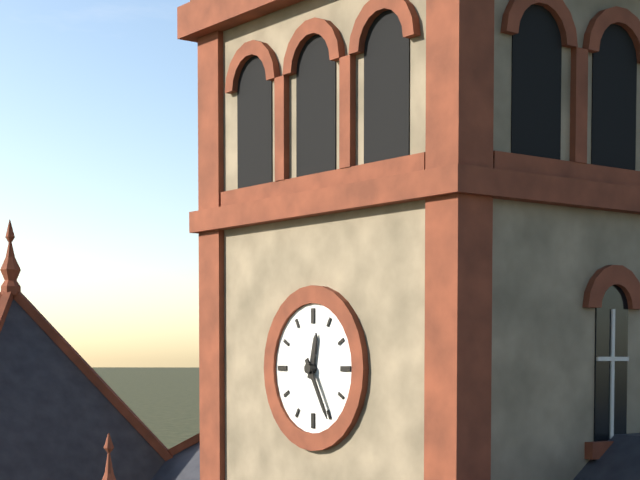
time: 12:25
